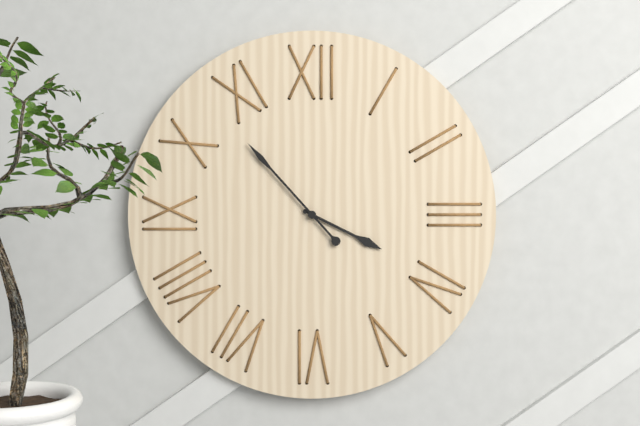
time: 3:53
